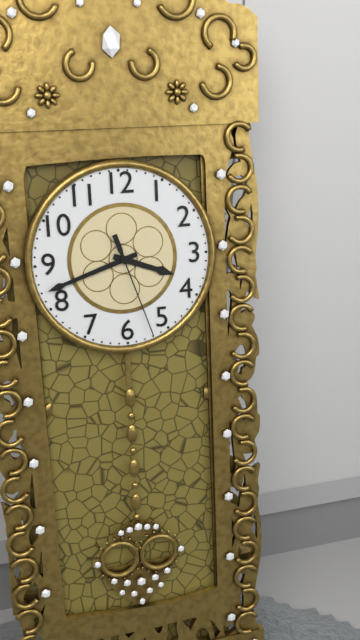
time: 3:42:27
